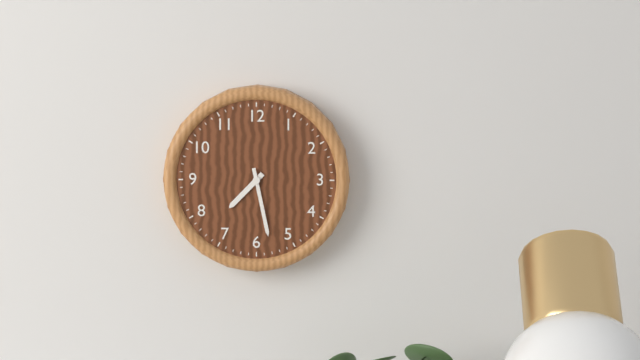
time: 7:28
